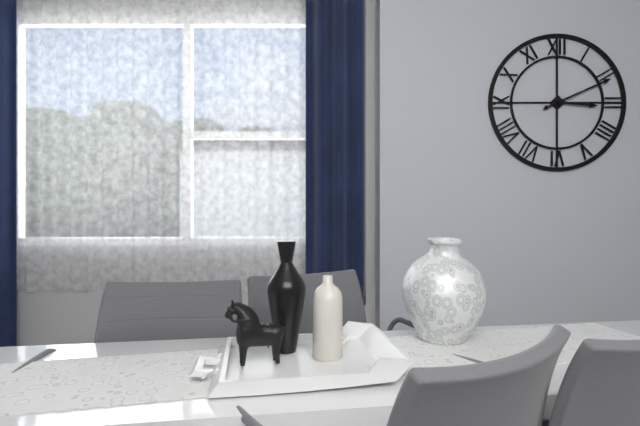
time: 3:11
